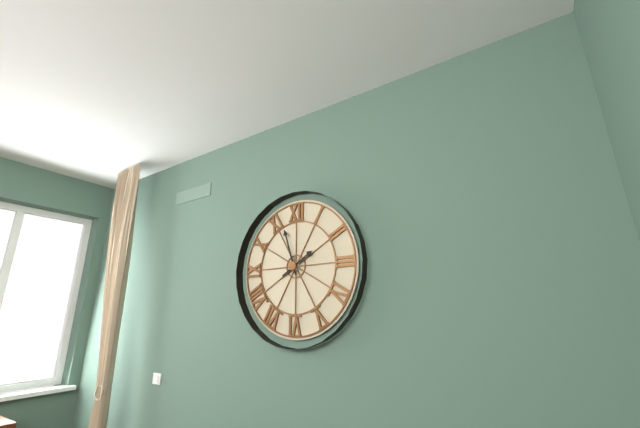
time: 1:57
